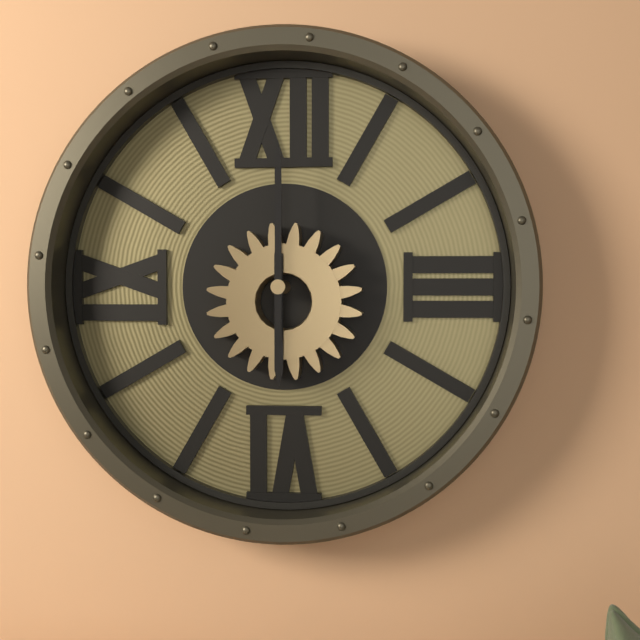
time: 6:00
